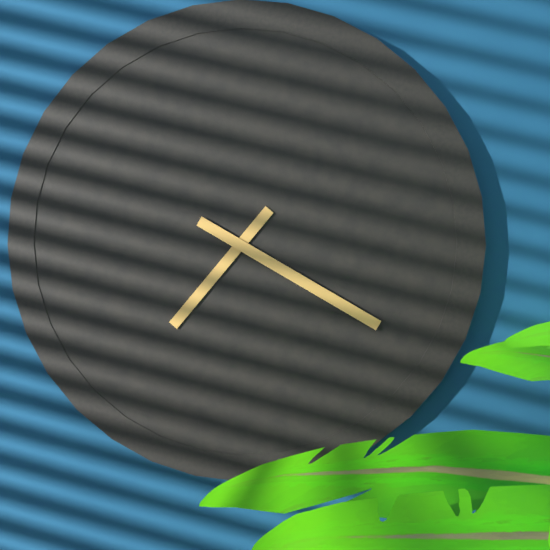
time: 7:20
